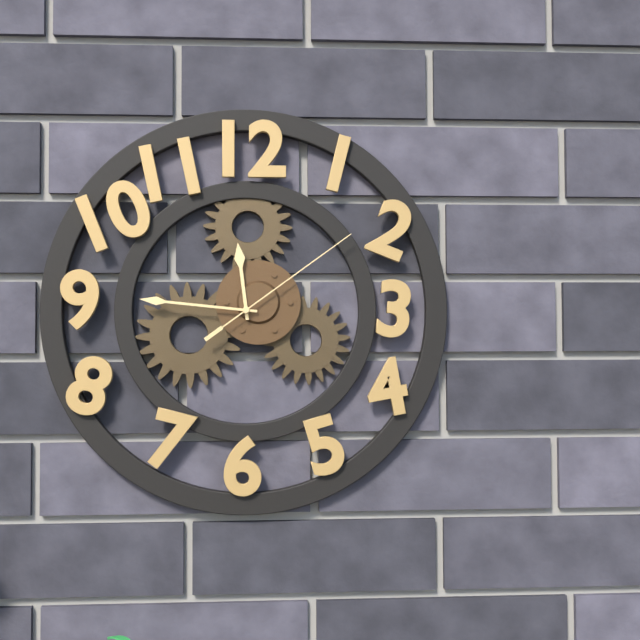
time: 11:46:09
